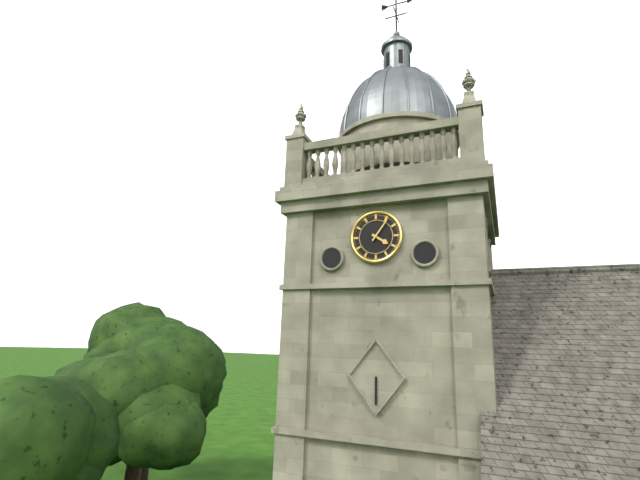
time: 4:06
